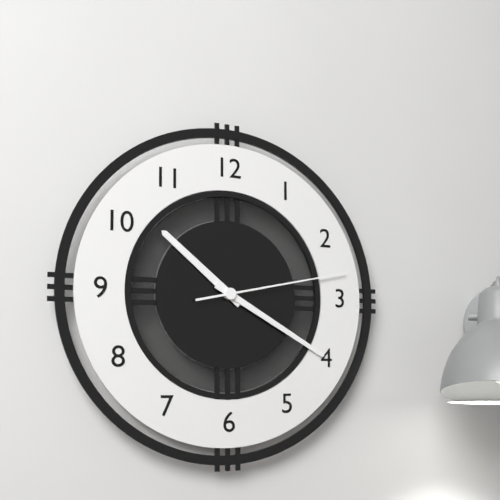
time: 10:20:13
